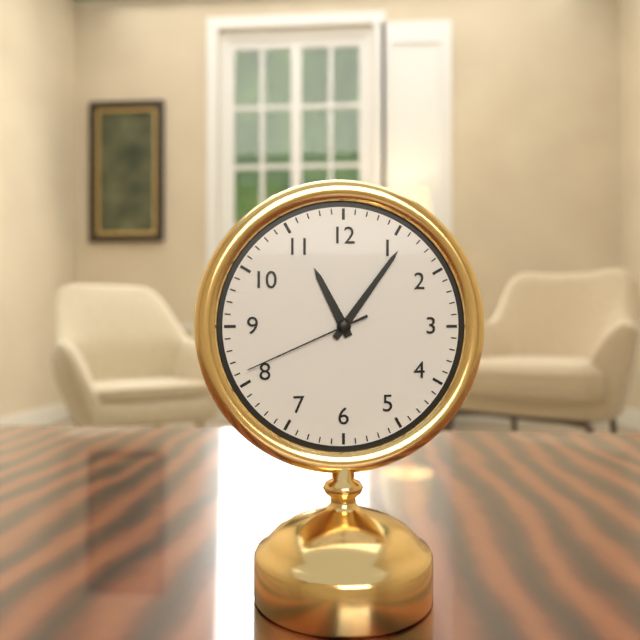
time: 11:06:41
